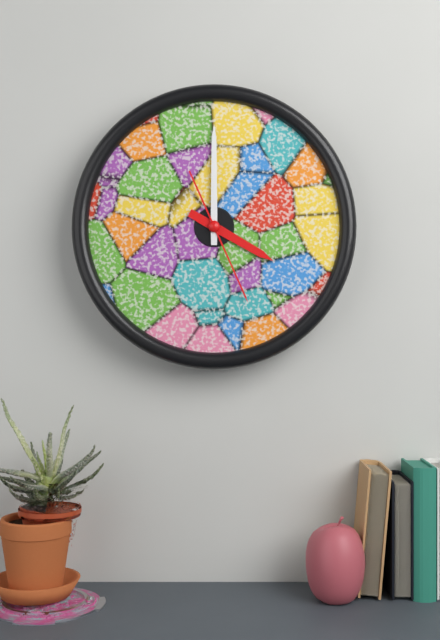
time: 4:00:26
